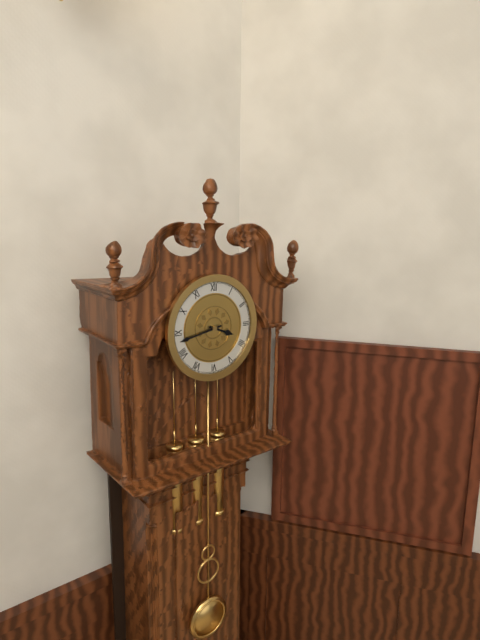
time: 3:43
